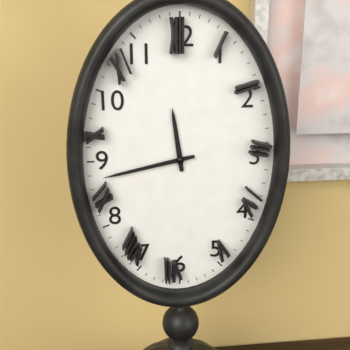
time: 11:43
